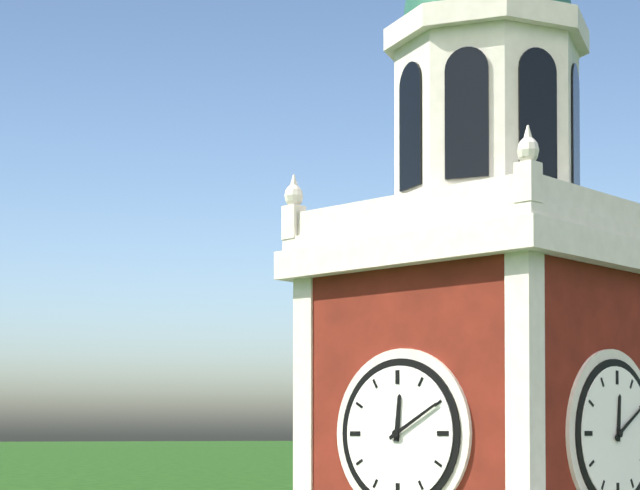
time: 12:10
